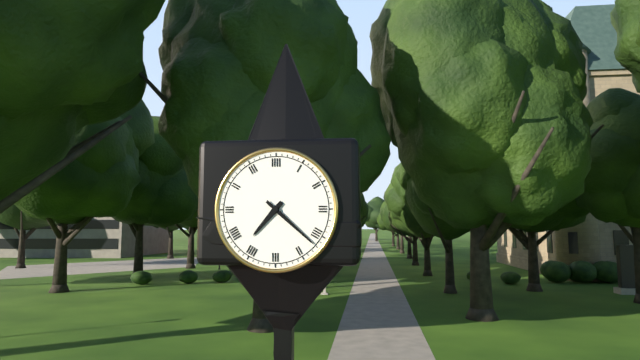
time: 7:22
